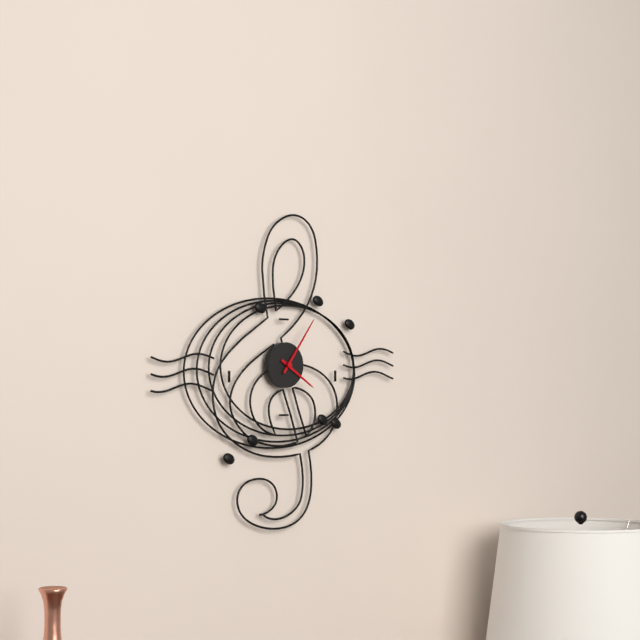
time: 4:06
